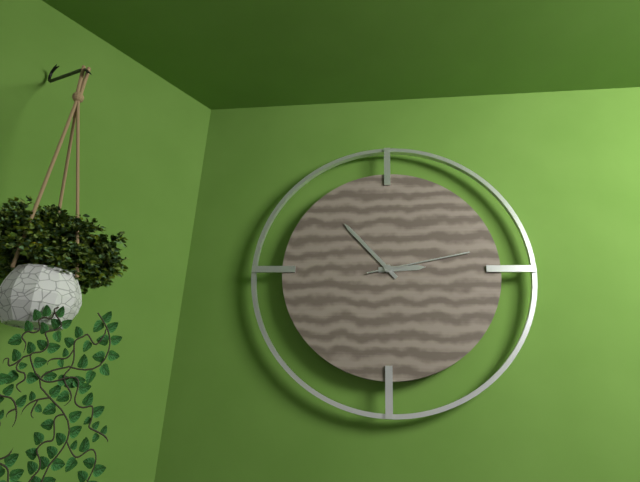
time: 2:53:13
